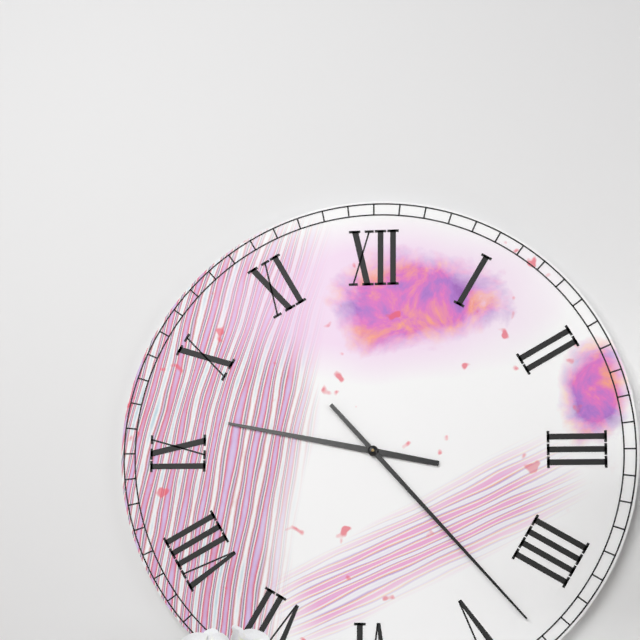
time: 9:23
